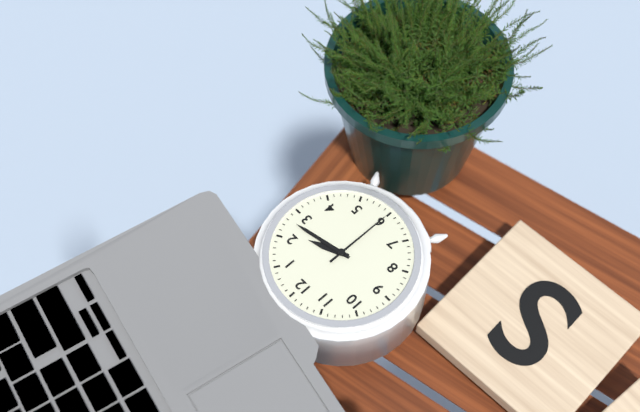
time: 2:13:30
